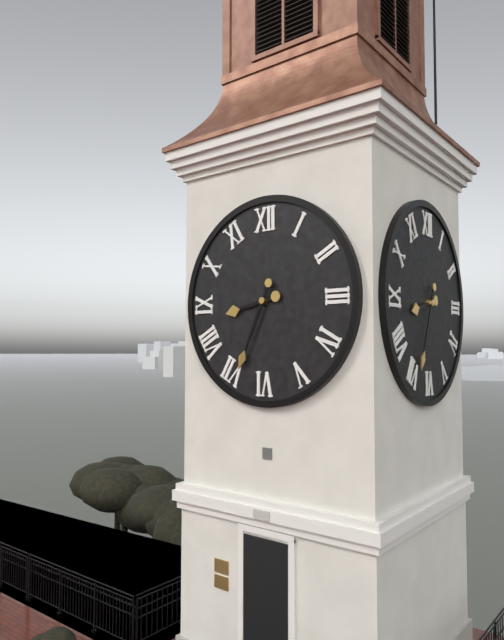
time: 8:34
